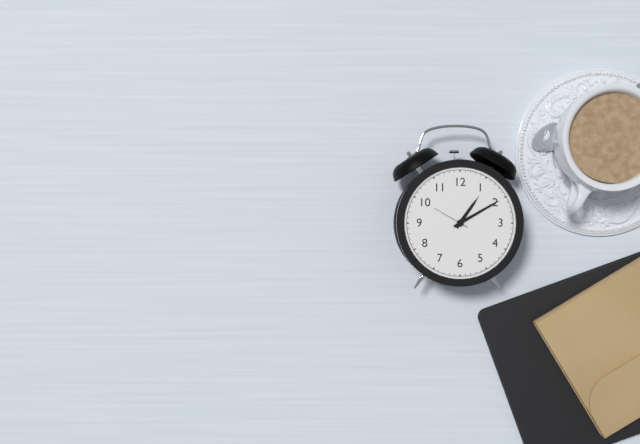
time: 1:10
